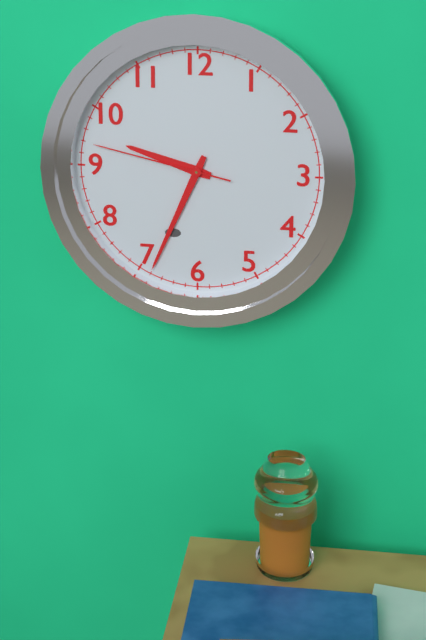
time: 9:34:47
